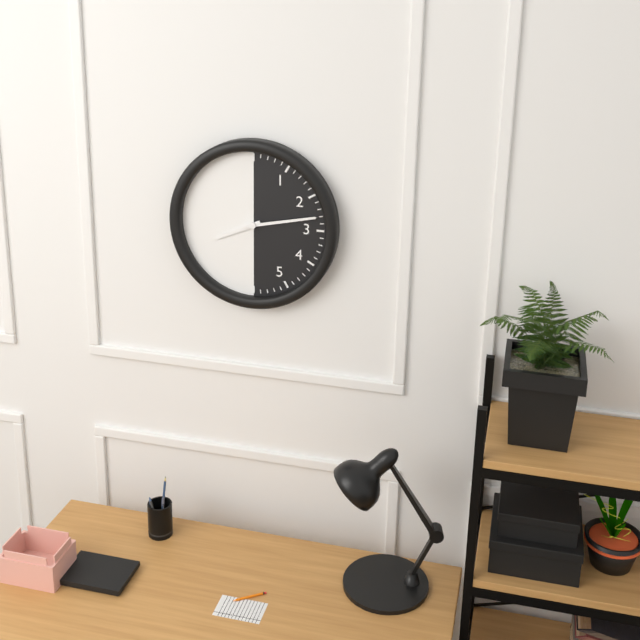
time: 8:13
